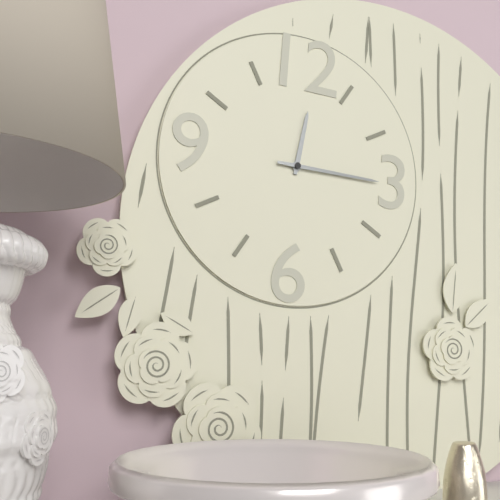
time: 12:15
